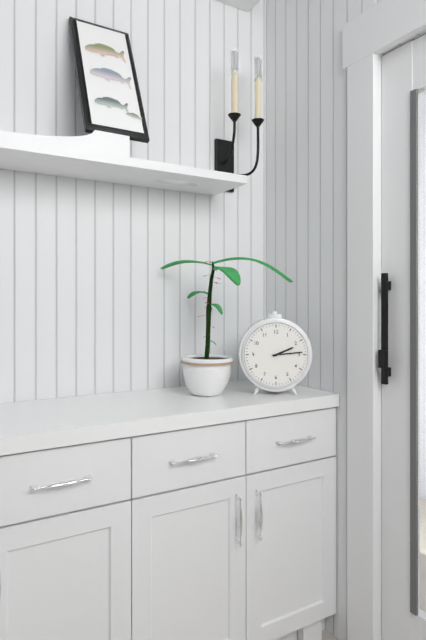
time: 2:14
